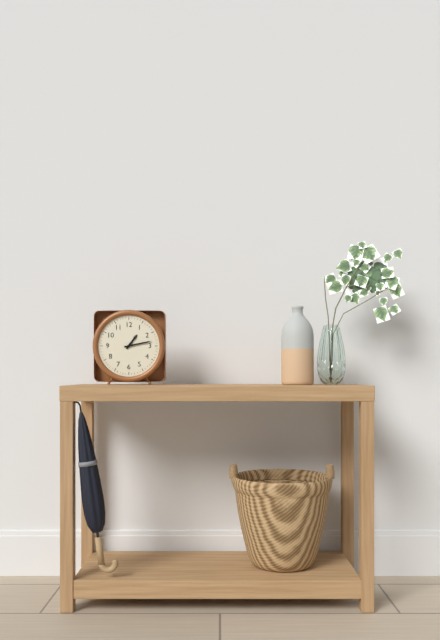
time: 1:13
